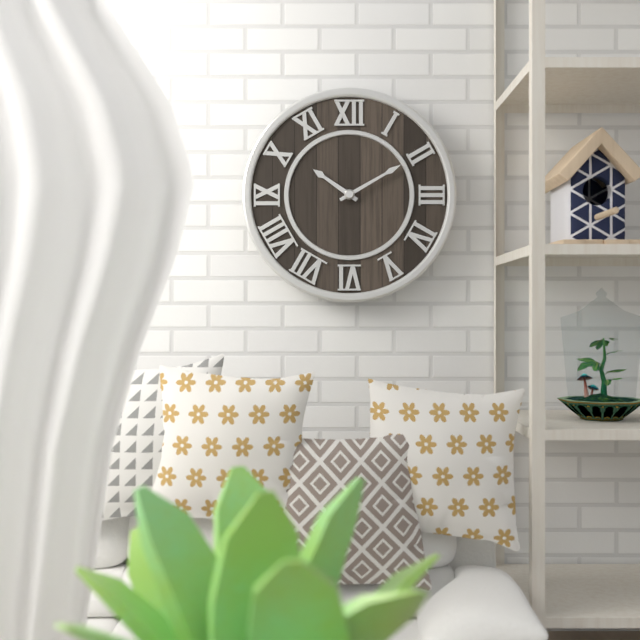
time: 10:10
